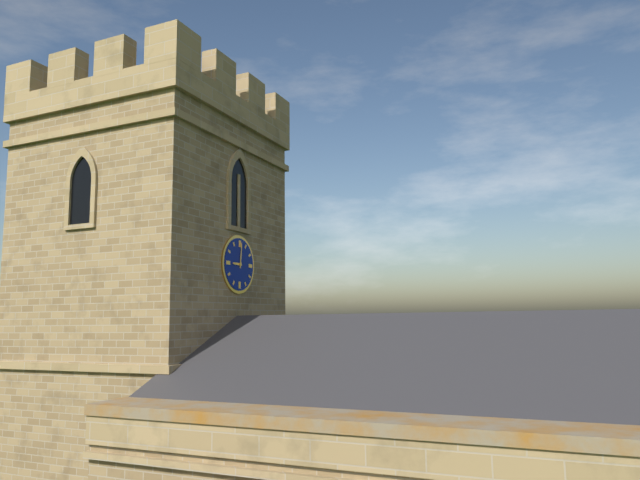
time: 9:01
